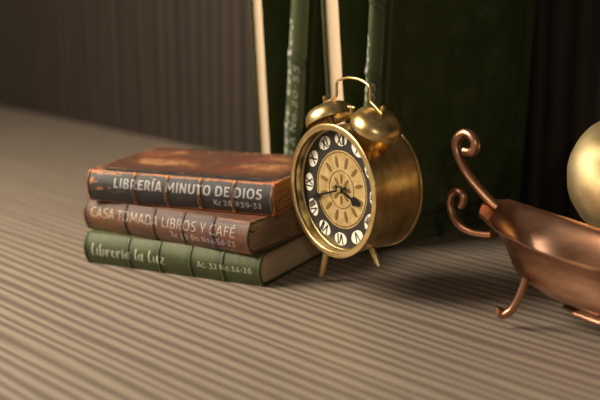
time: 3:42
